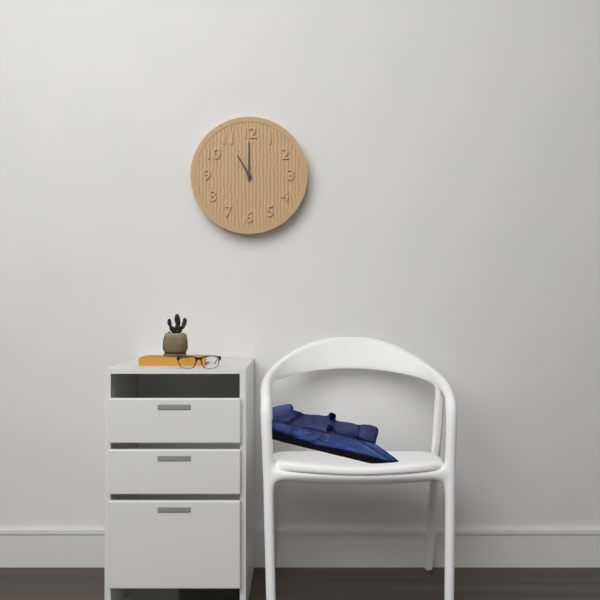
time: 11:00
